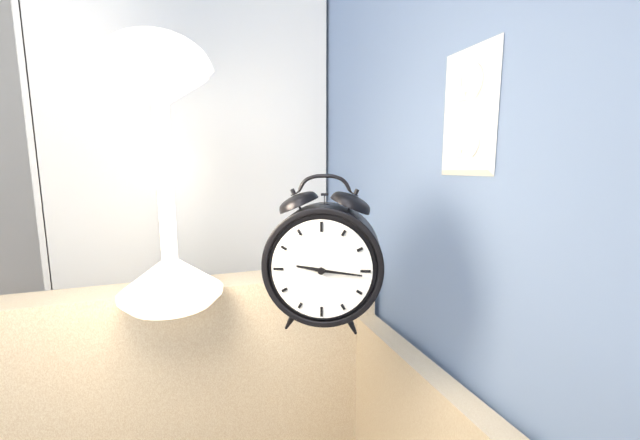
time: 9:16
